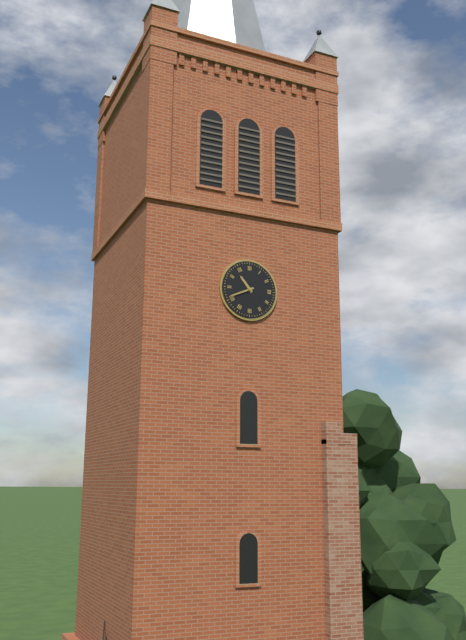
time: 10:41
